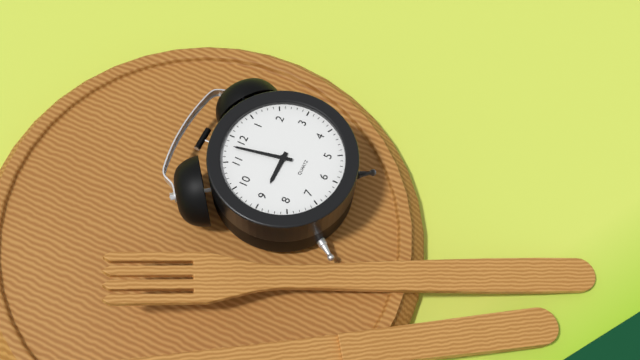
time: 8:58
